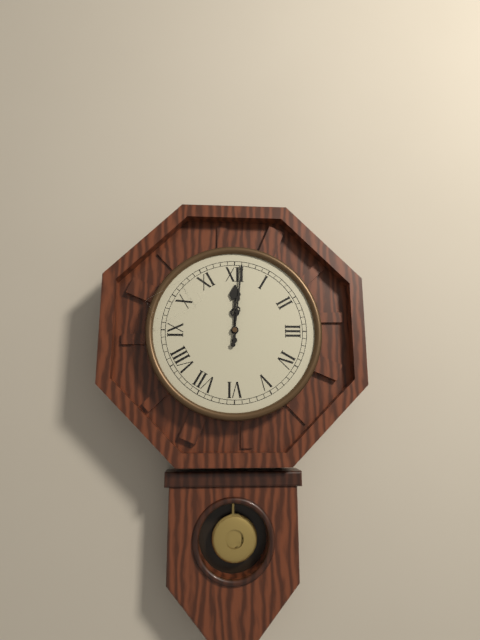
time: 12:01
